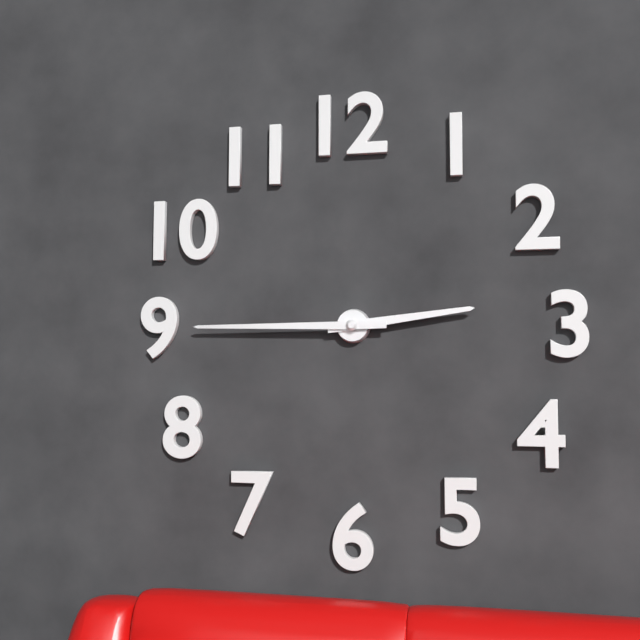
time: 2:45
